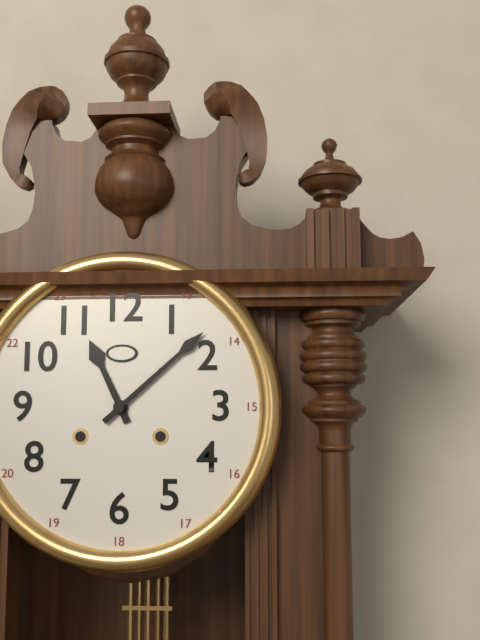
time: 11:08
